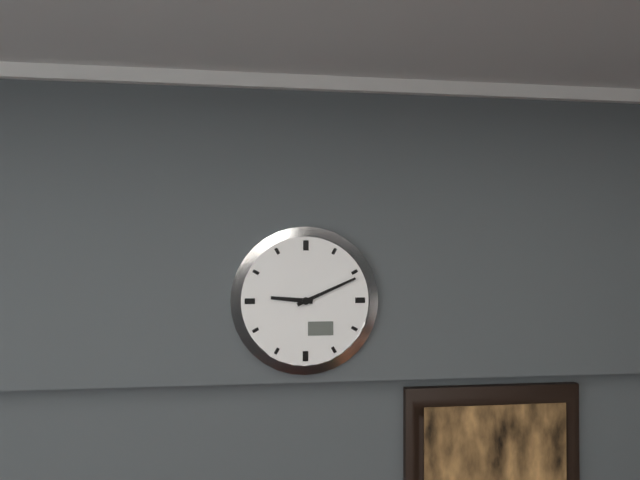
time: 9:11
